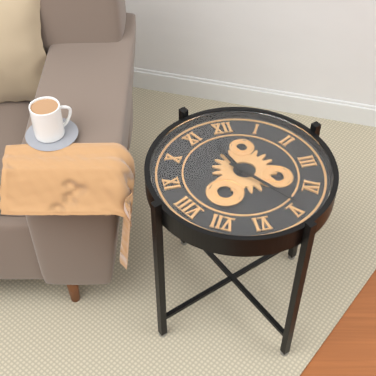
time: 11:24
